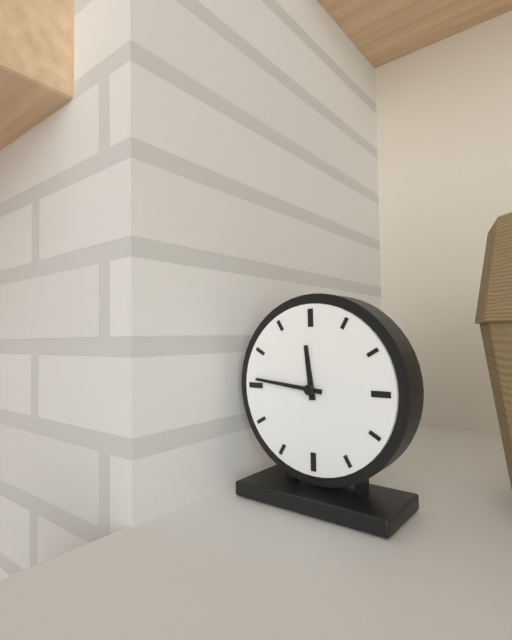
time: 11:46
